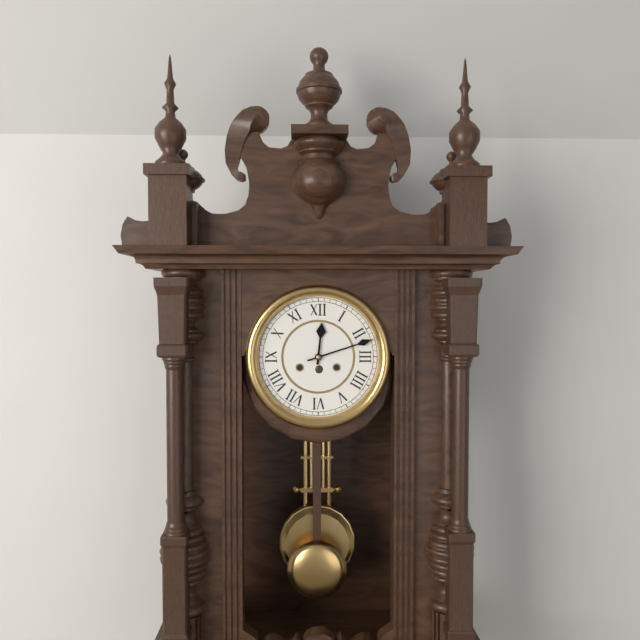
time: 12:12
